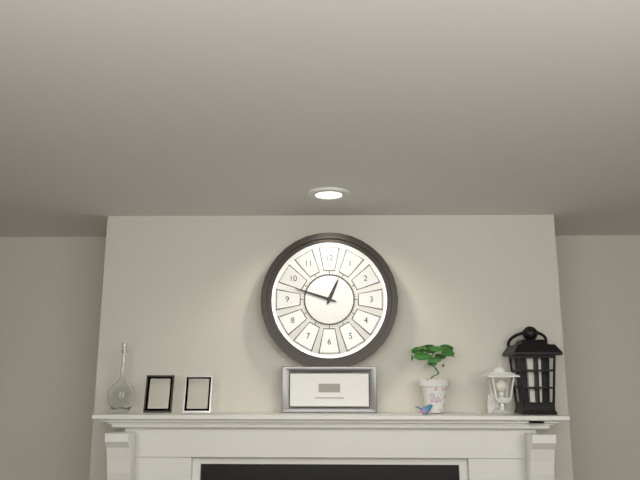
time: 12:48
